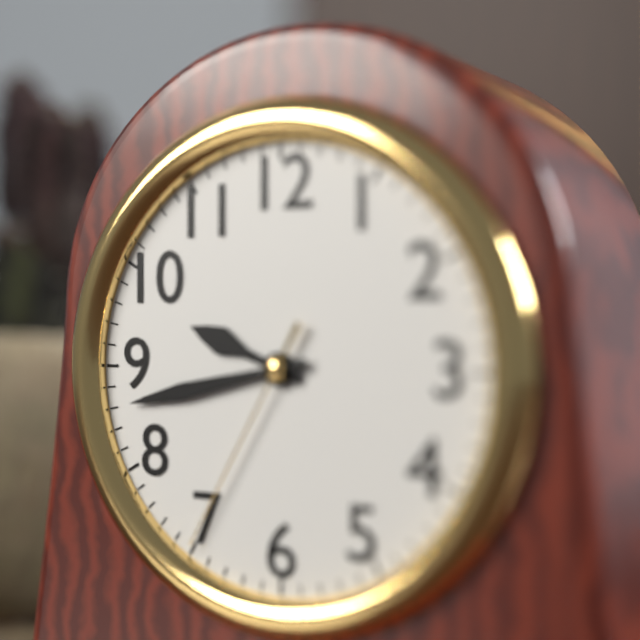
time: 9:43:35
